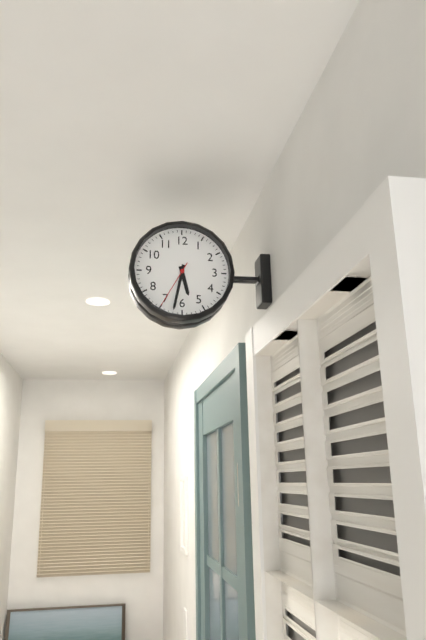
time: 5:32:35
